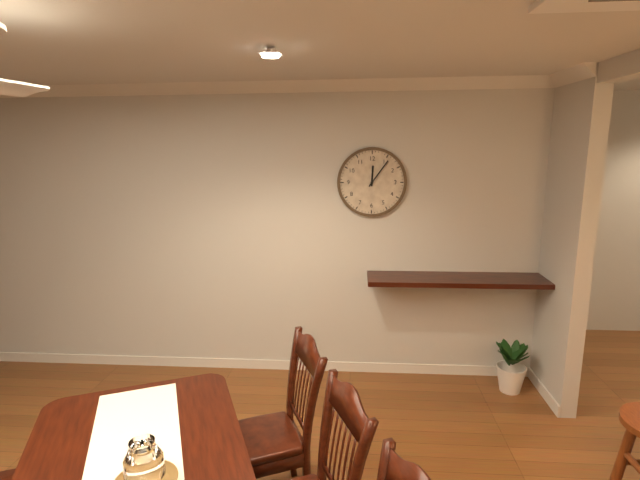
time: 12:06
